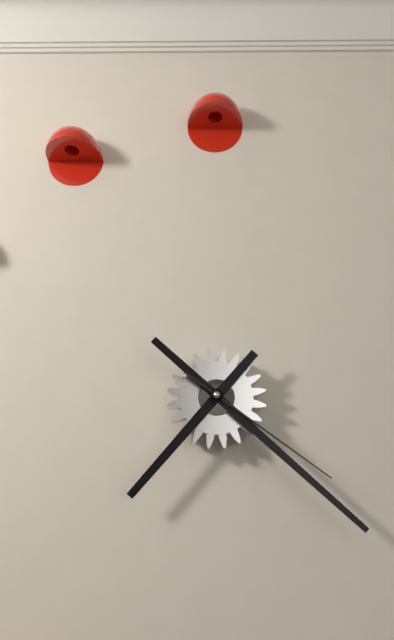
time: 7:22:21
